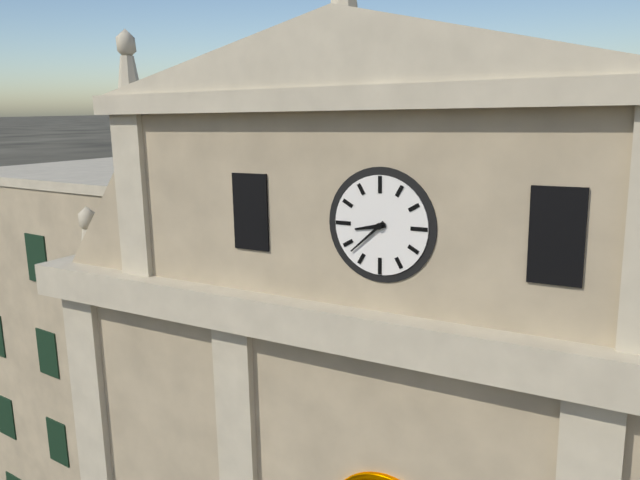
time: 8:38
